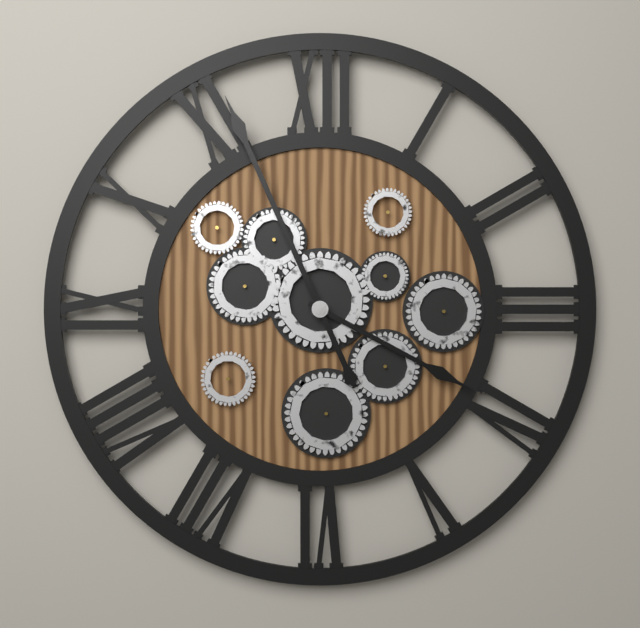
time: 3:56
